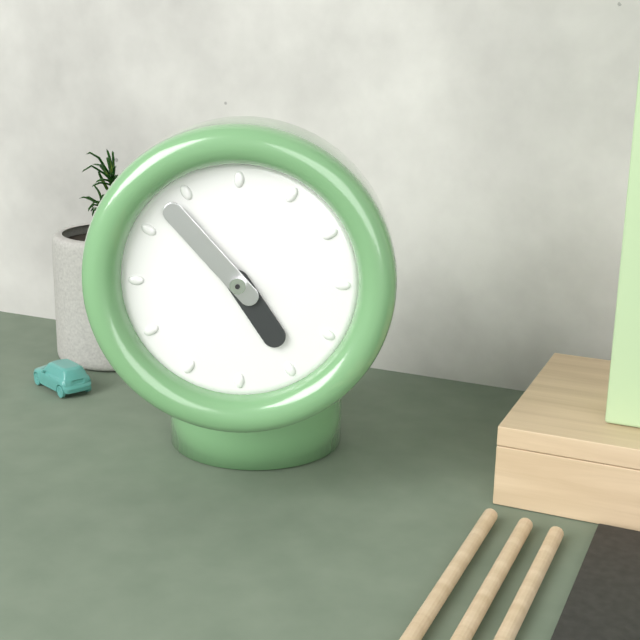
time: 4:53
